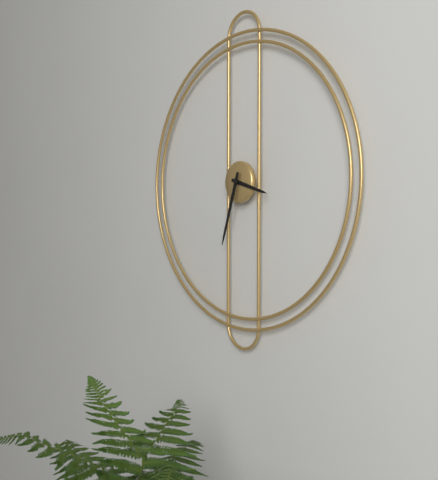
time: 3:33
